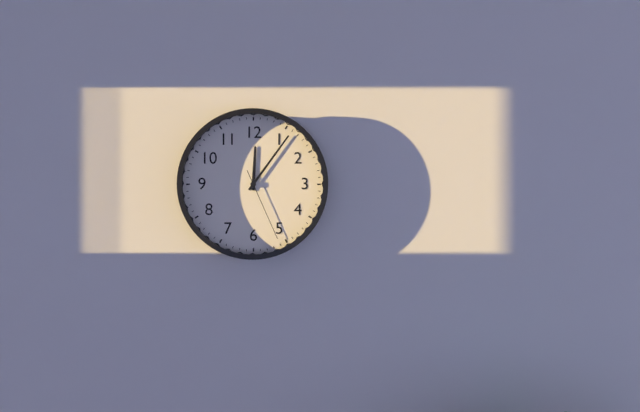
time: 12:06:26
